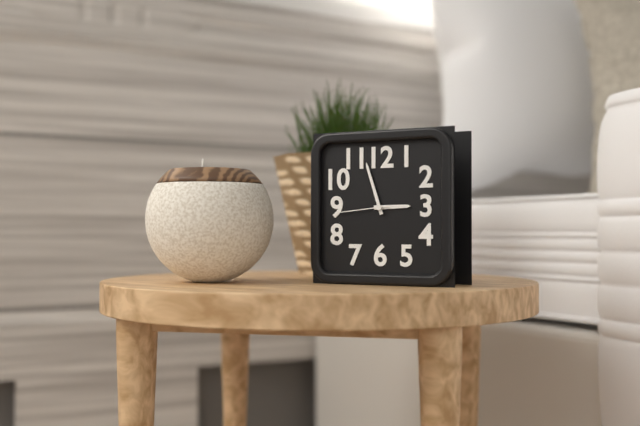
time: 2:57:44
